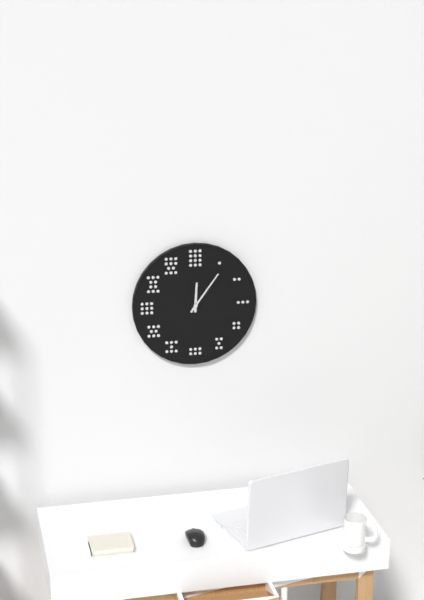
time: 12:06
